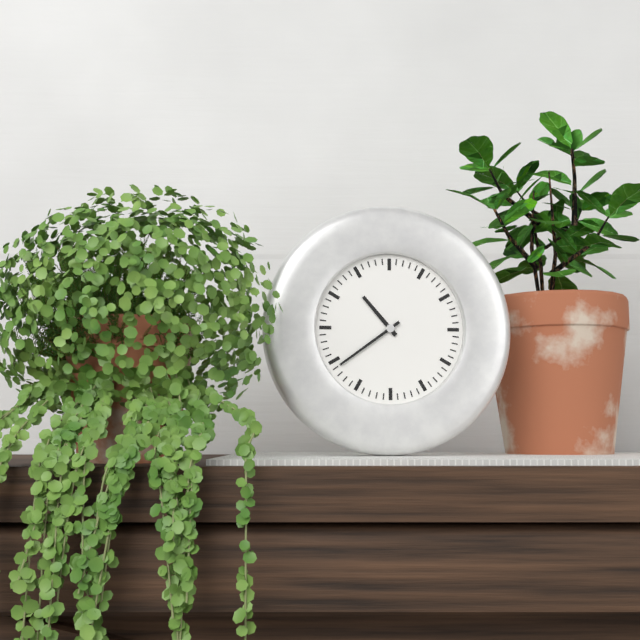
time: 10:39
